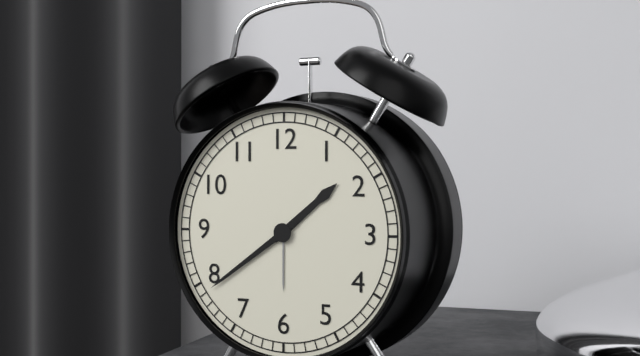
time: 1:39
